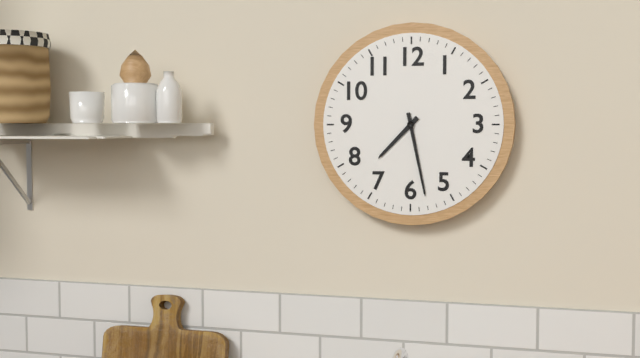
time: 7:28
